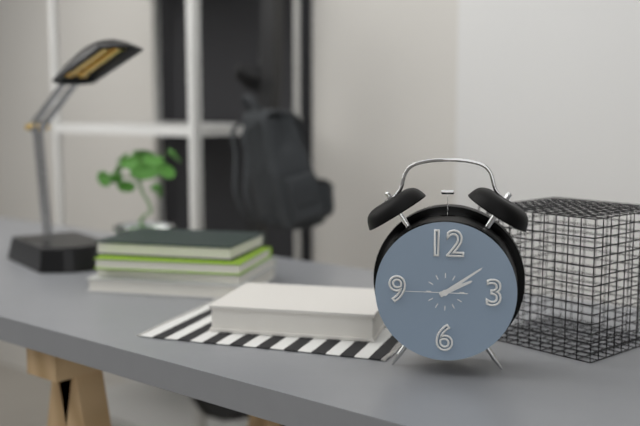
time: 2:09:45
